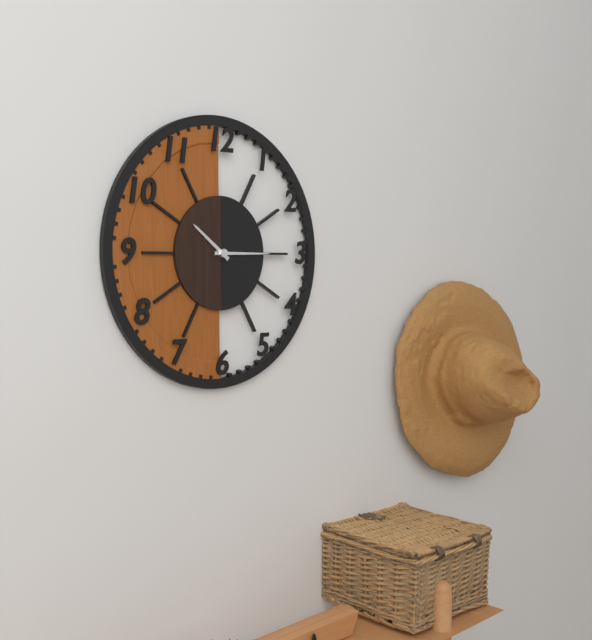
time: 10:15
